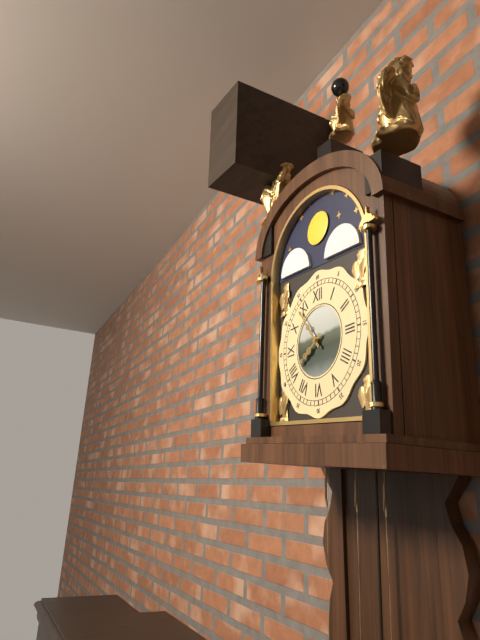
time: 7:54
